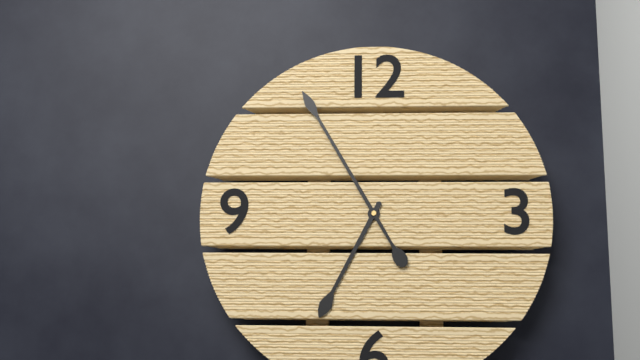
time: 6:55
